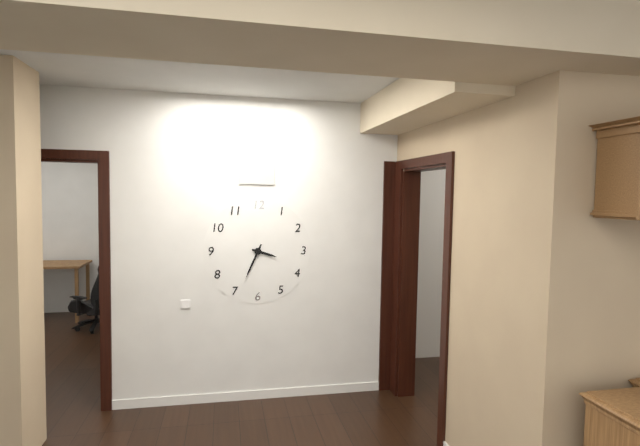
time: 3:34
